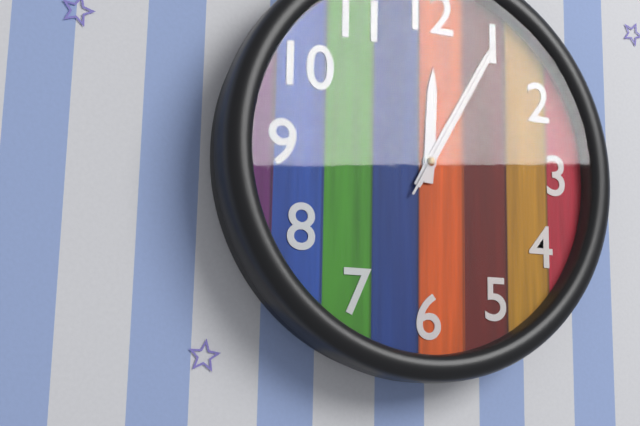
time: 12:05:05
